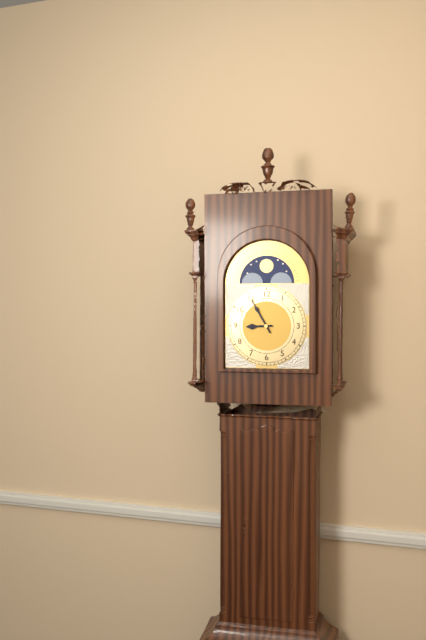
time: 8:55
